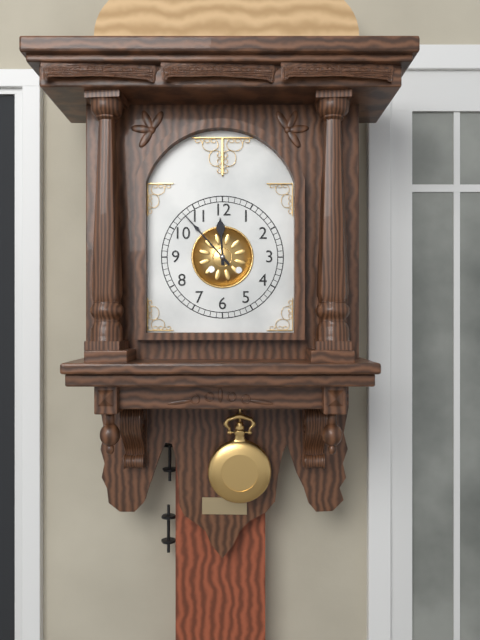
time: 11:53
